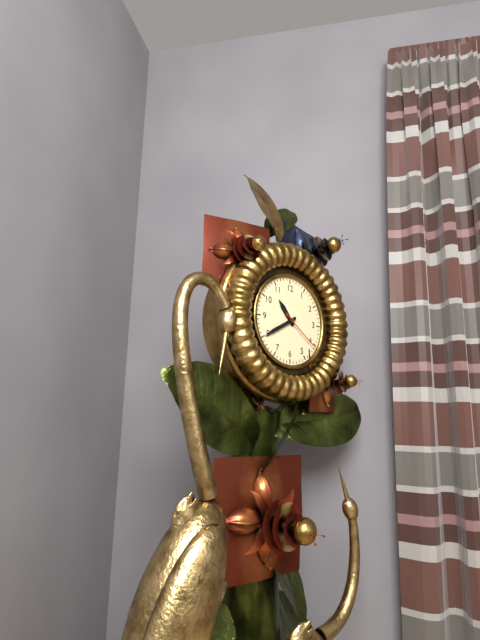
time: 10:40
